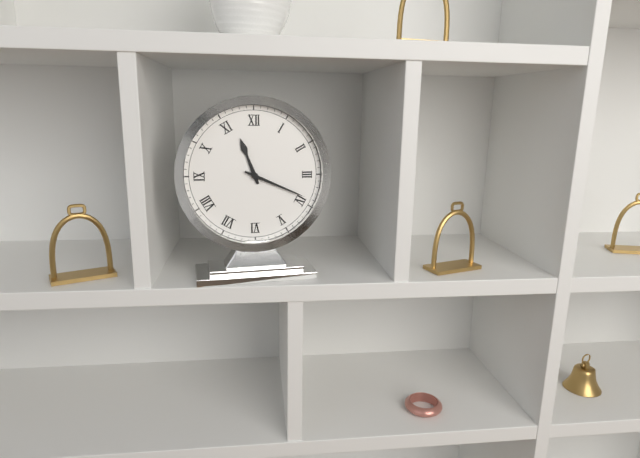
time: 11:19
